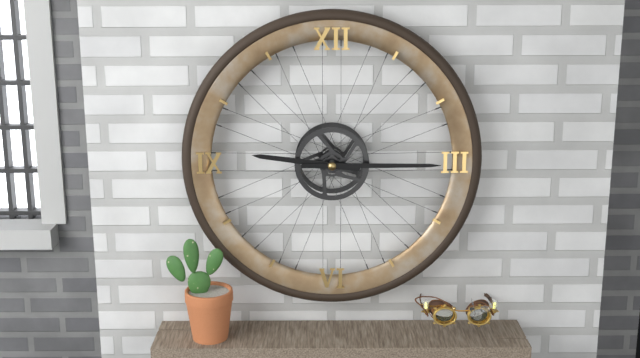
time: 9:15
